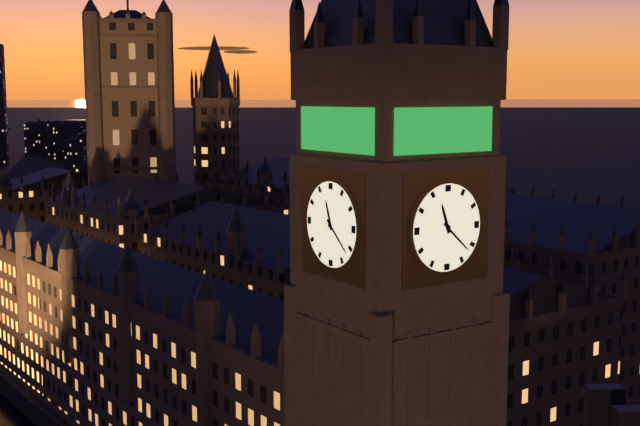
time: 11:22
